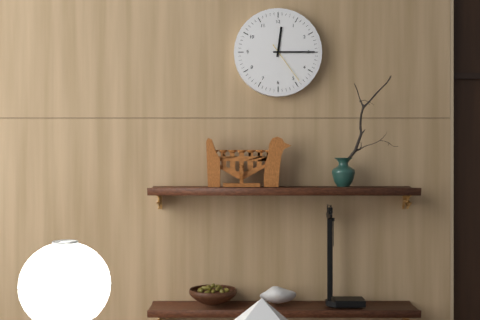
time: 12:15
